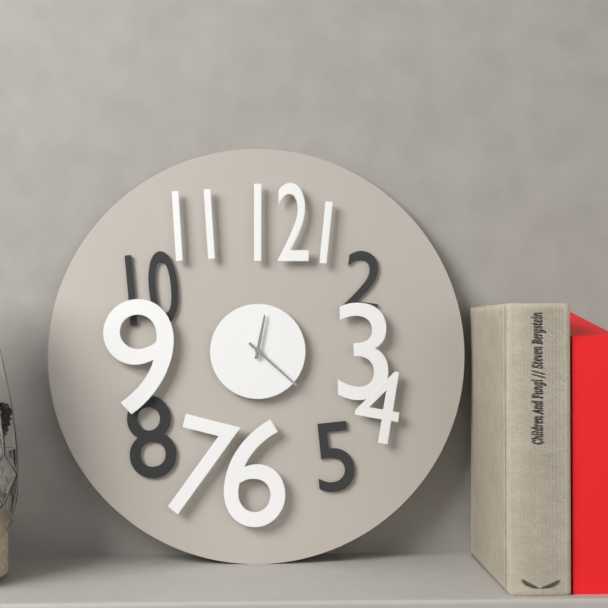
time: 12:22
